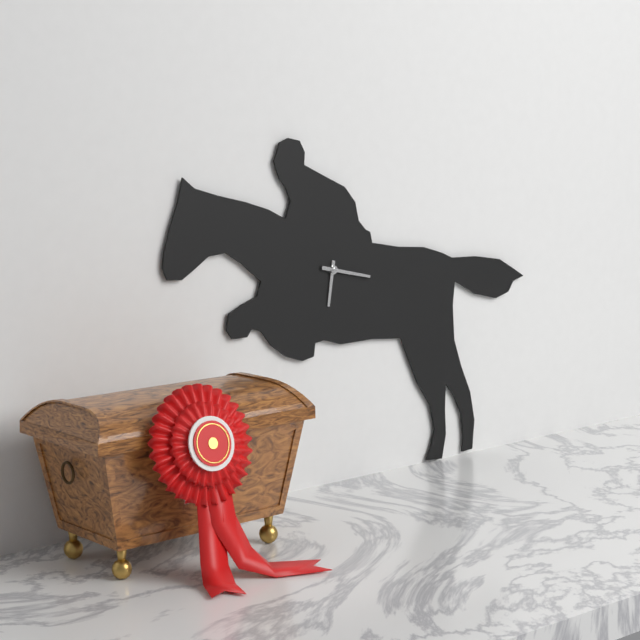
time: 6:17
